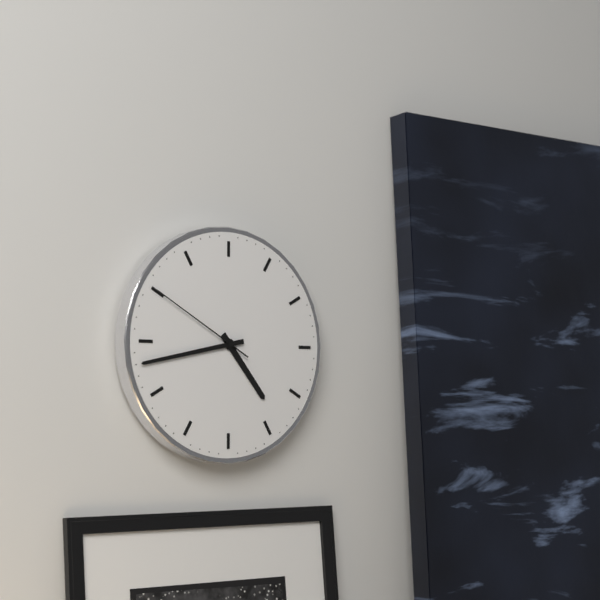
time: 4:43:50
